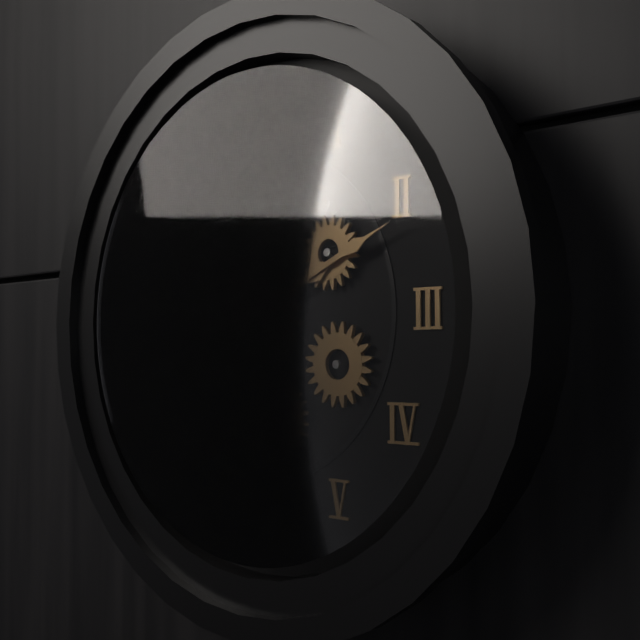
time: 2:11
